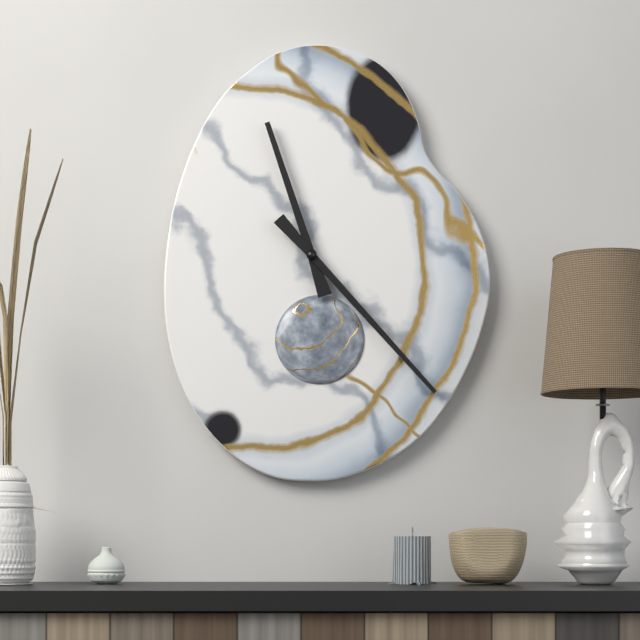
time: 11:23
